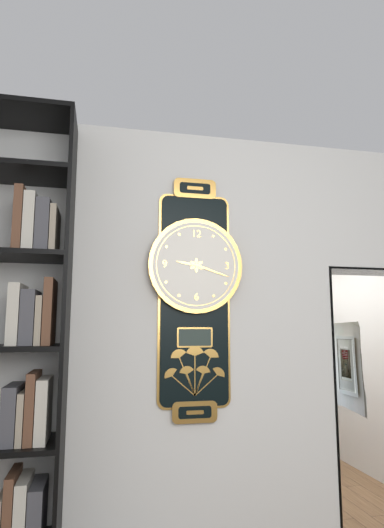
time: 9:18
